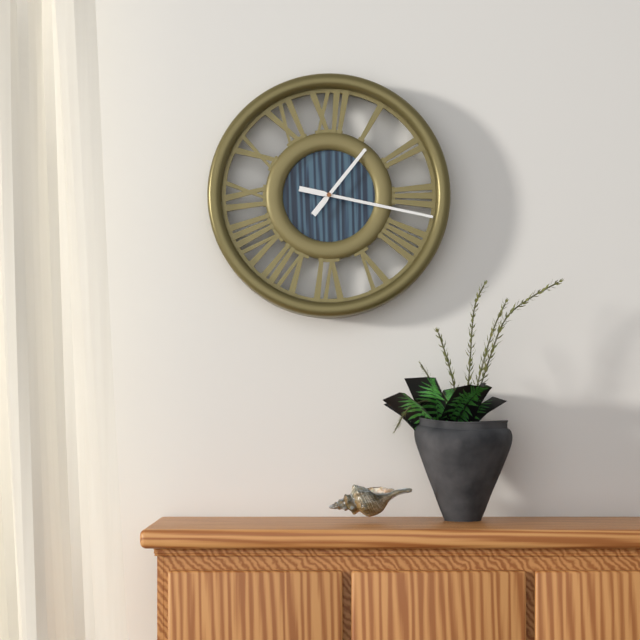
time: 1:17
